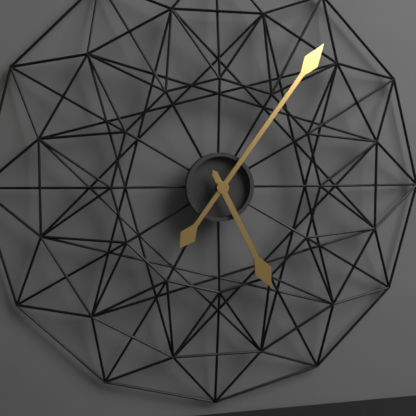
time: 5:06
